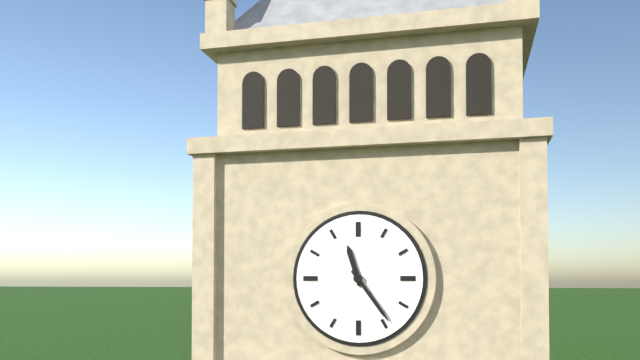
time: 11:24
